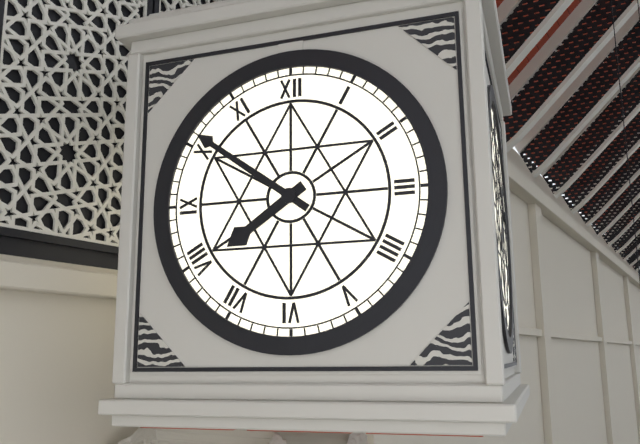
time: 7:51
